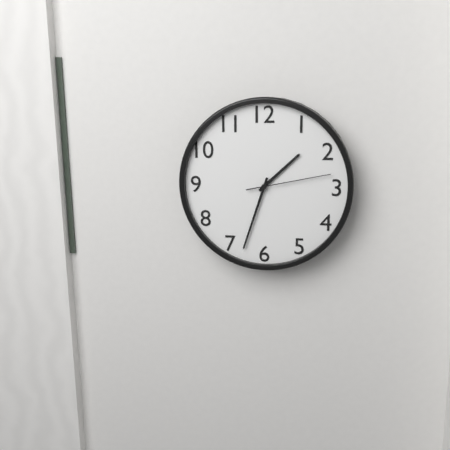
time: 1:33:13
